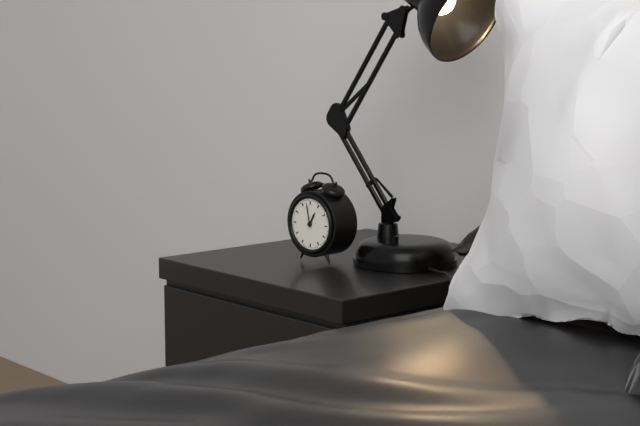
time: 12:58
